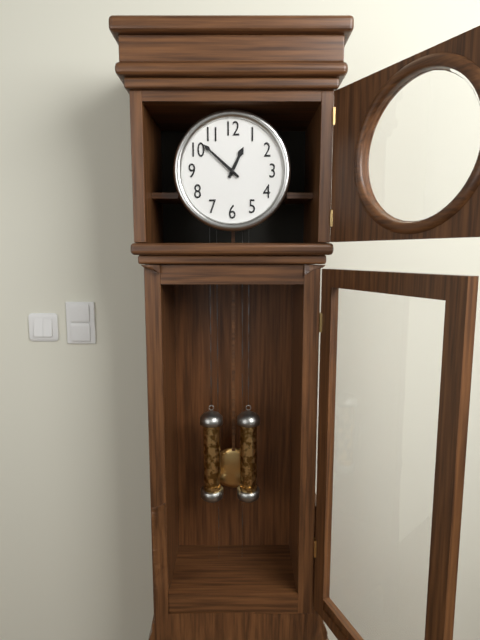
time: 12:52
